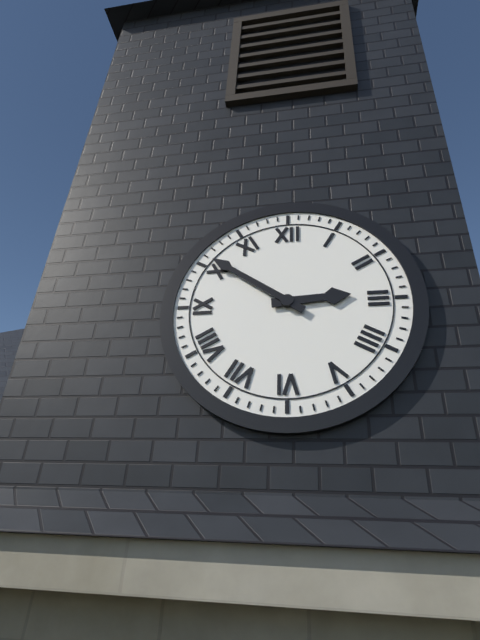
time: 2:51
